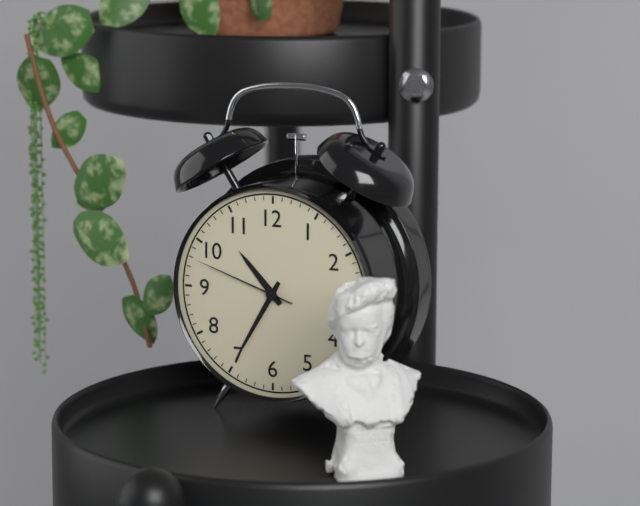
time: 10:35:48
